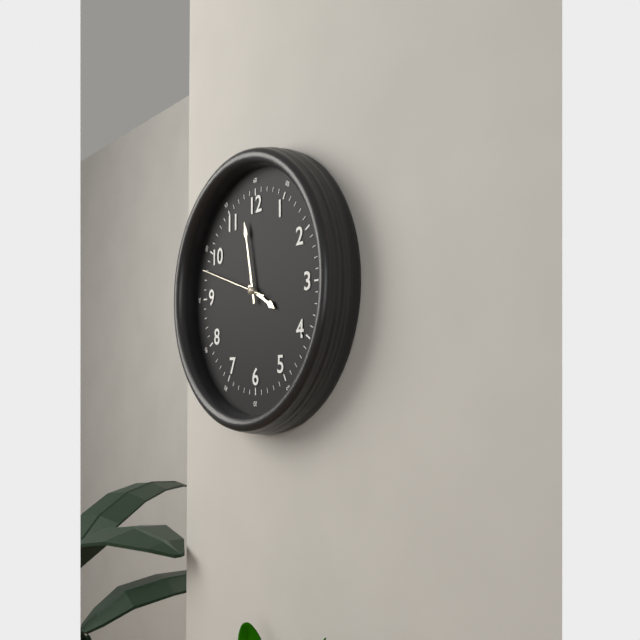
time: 3:58:48
